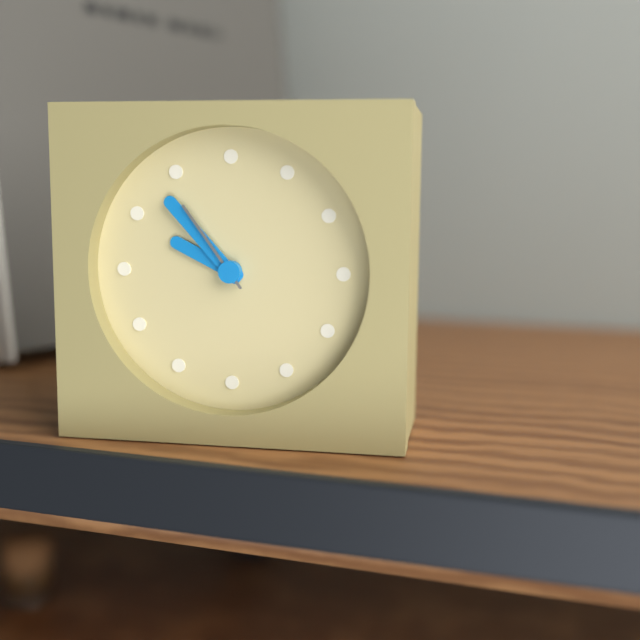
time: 9:53:54
